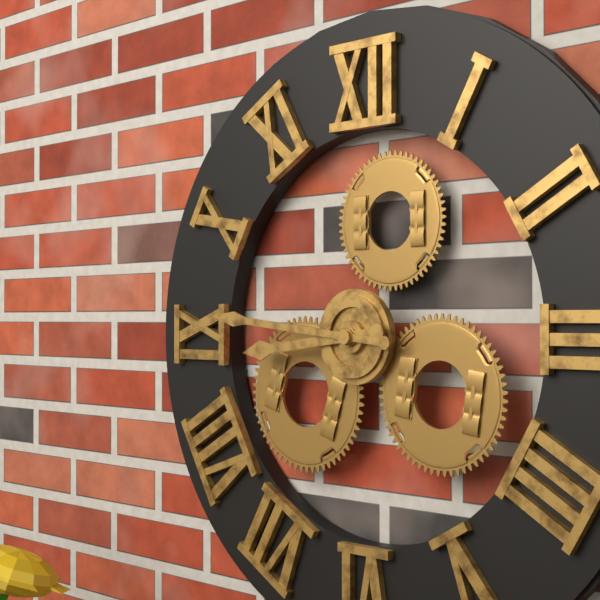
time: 8:46
